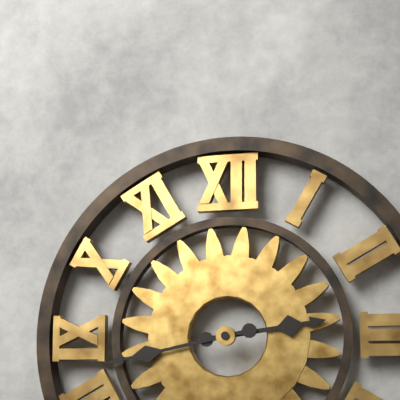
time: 2:43
